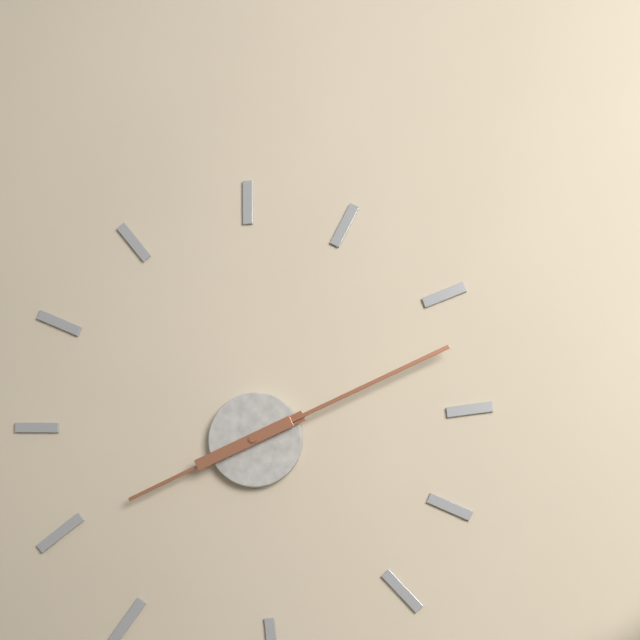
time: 8:11
